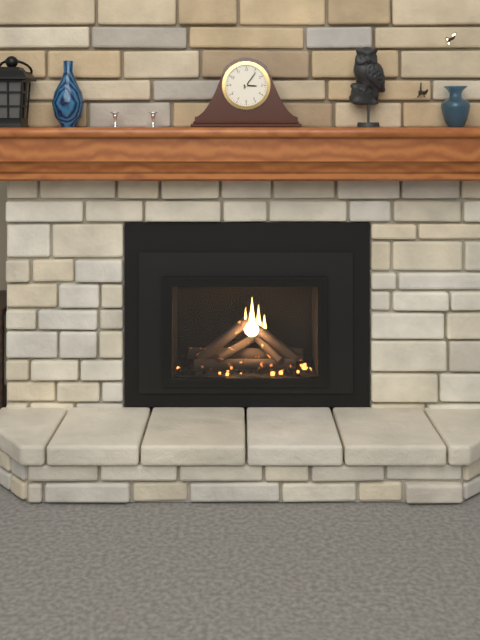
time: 3:06
